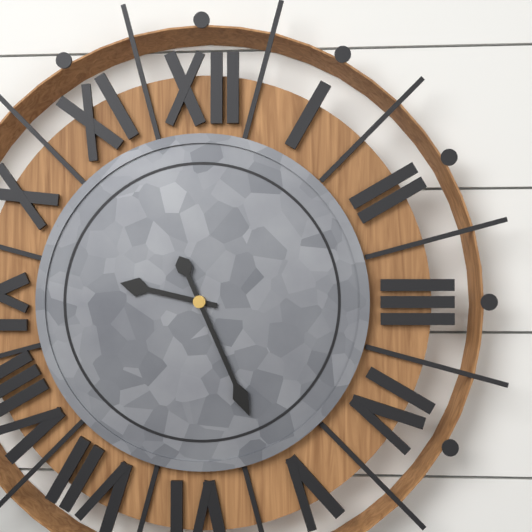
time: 9:26
